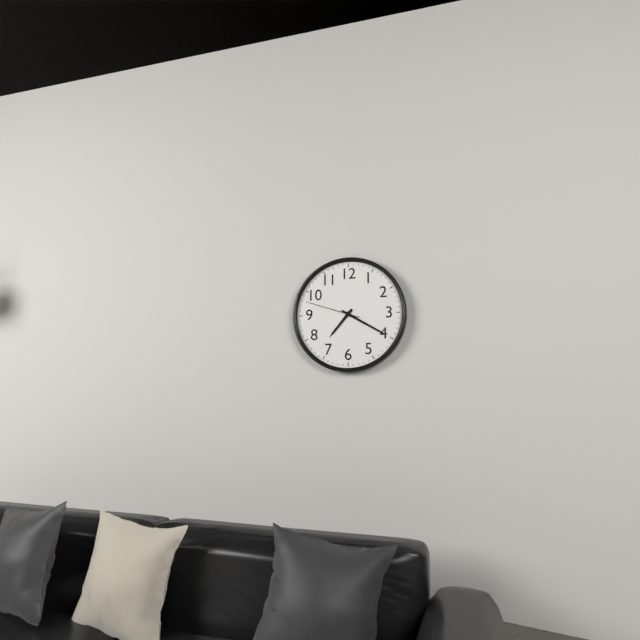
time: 7:20:48
